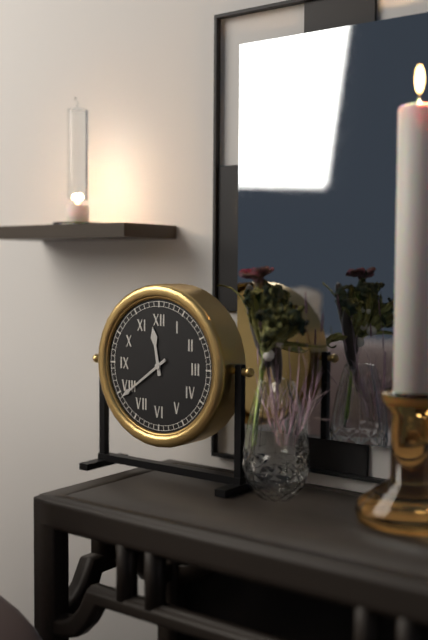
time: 11:39
